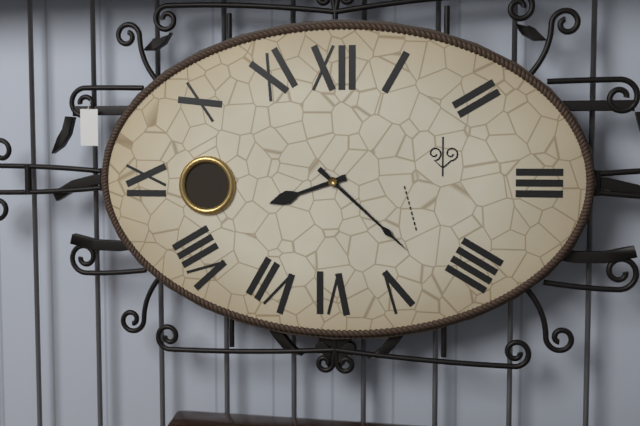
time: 8:22
